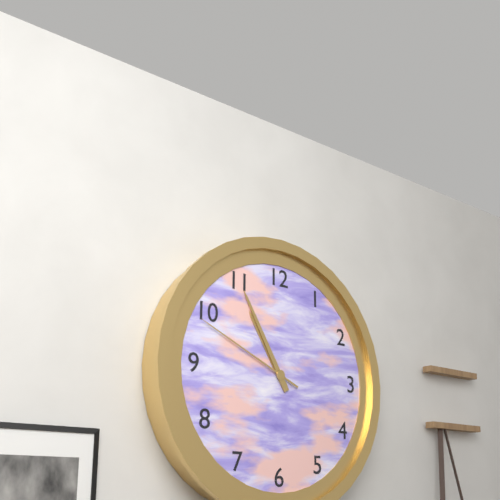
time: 10:55:49
